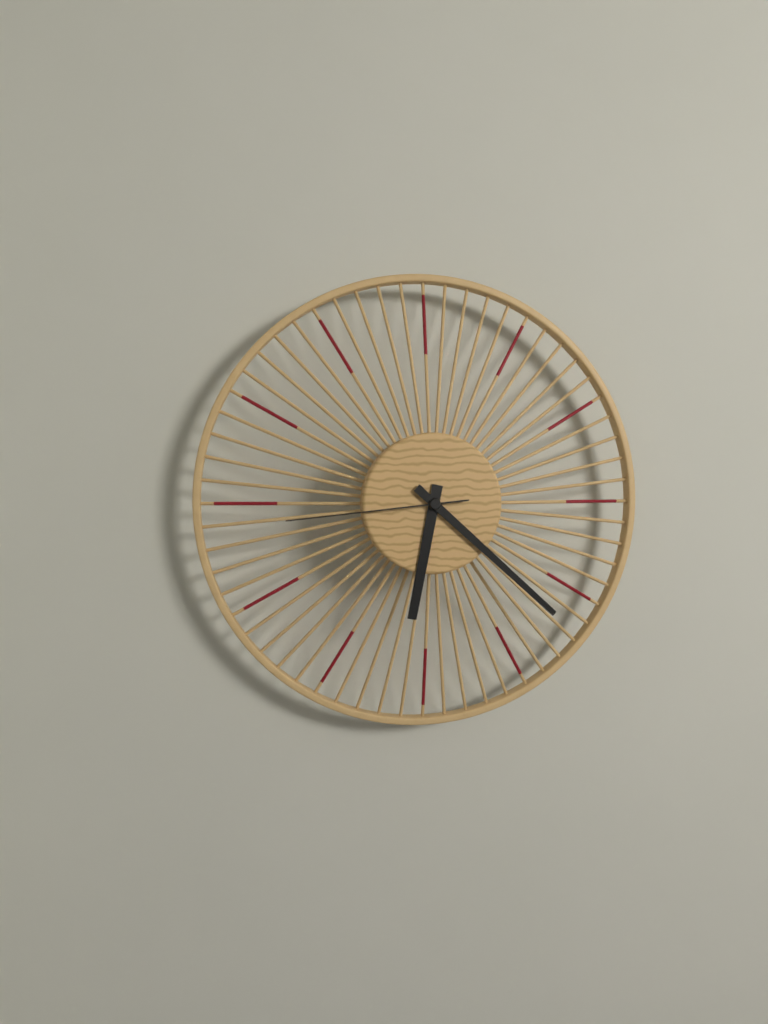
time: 6:22:44
